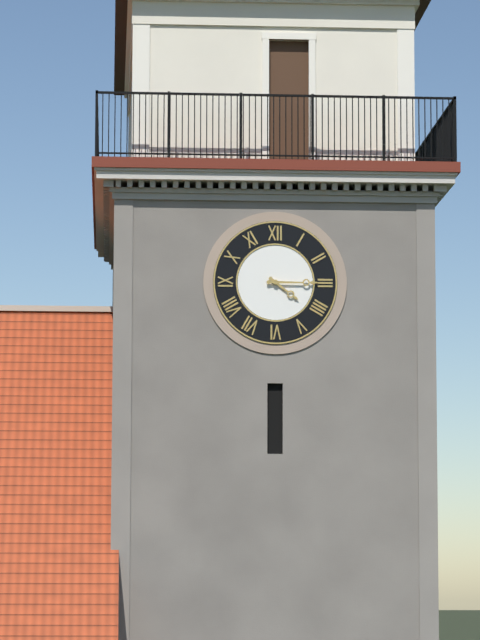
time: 4:15
